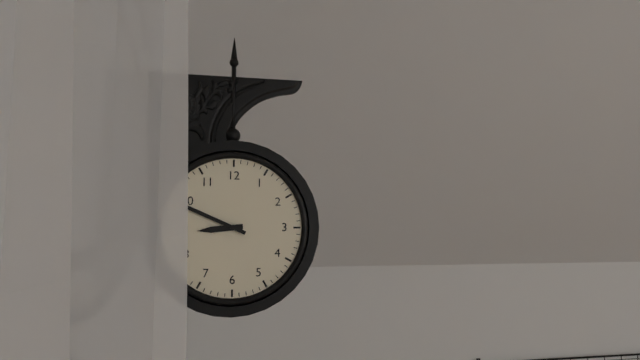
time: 8:49
